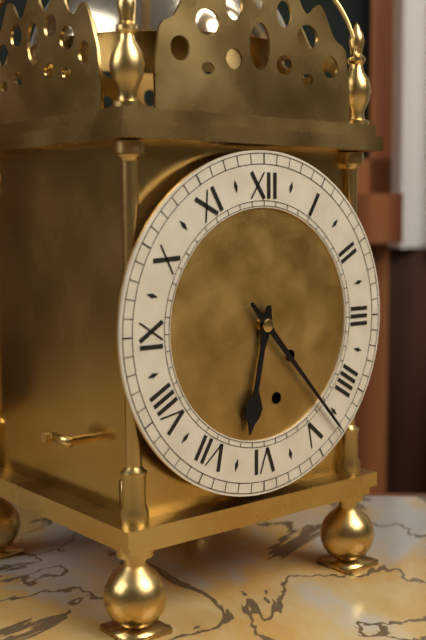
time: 6:23
